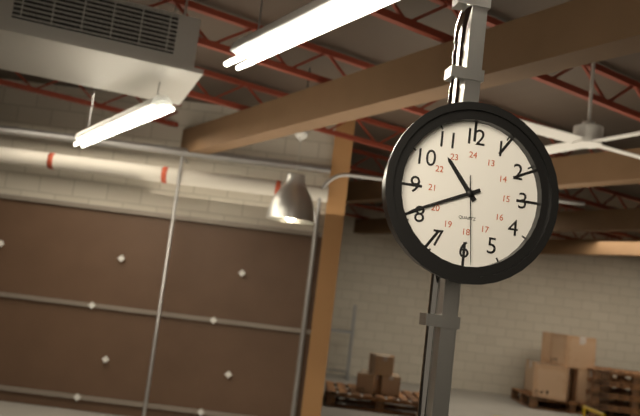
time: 10:41:29
